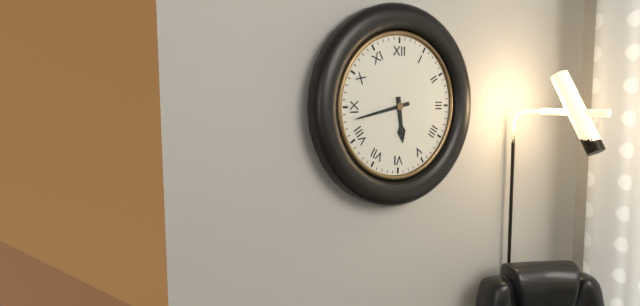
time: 5:43
